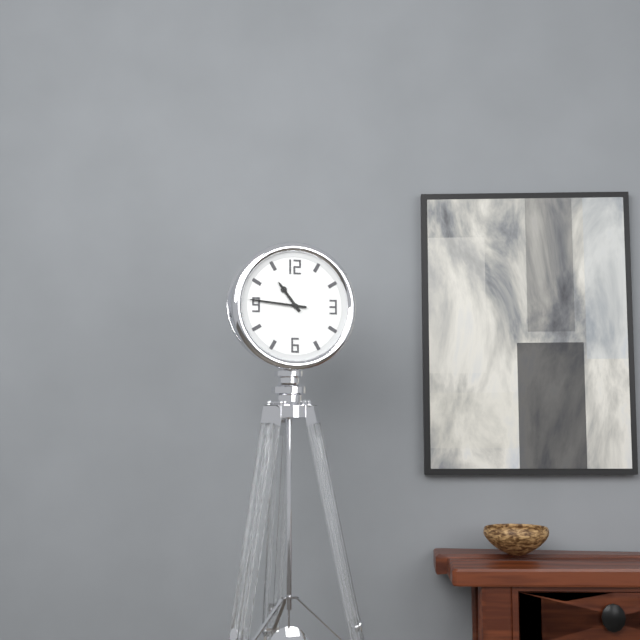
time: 10:46
